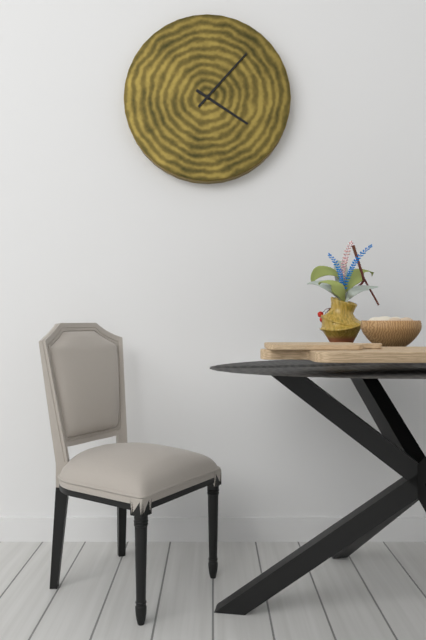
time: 4:07
